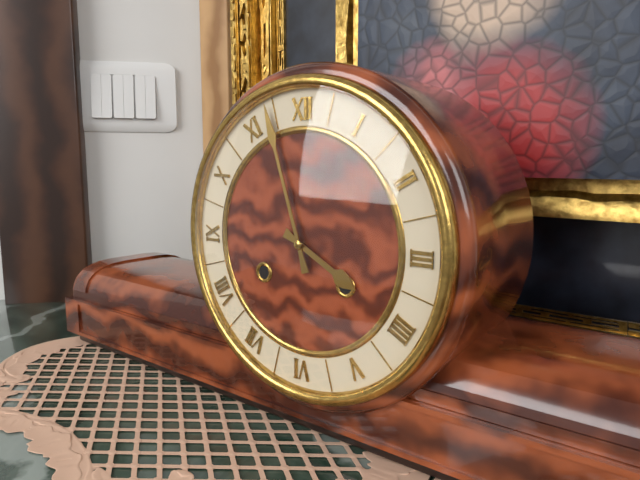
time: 3:57
